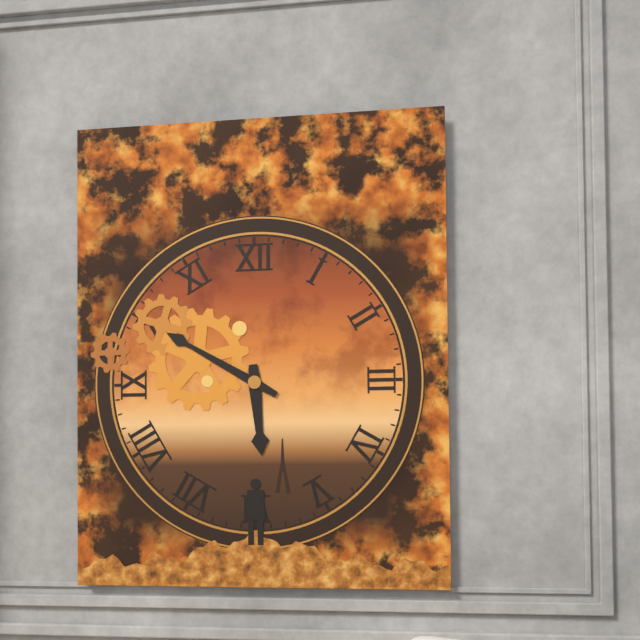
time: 5:50
